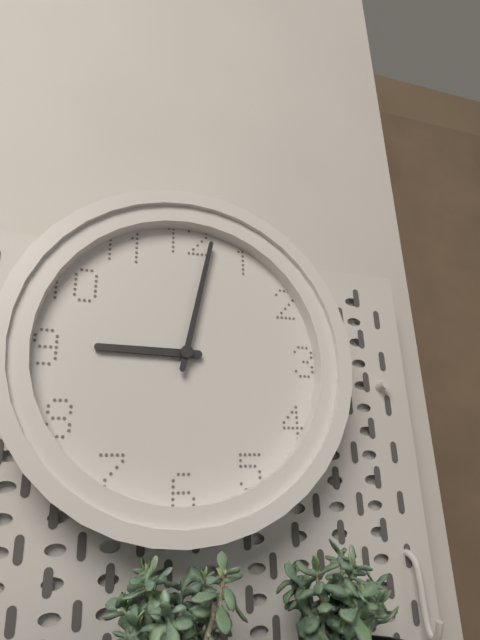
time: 9:02
